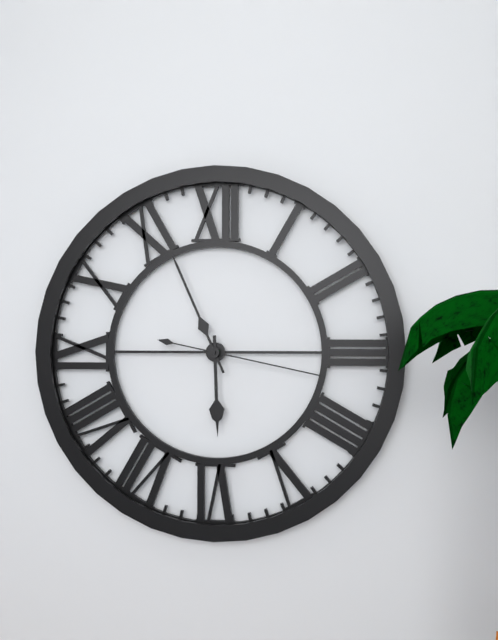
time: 5:56:17
